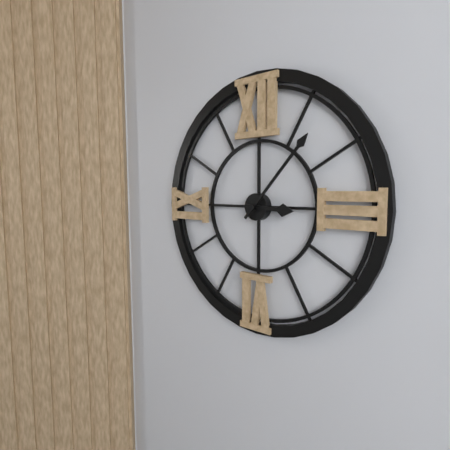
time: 3:07
